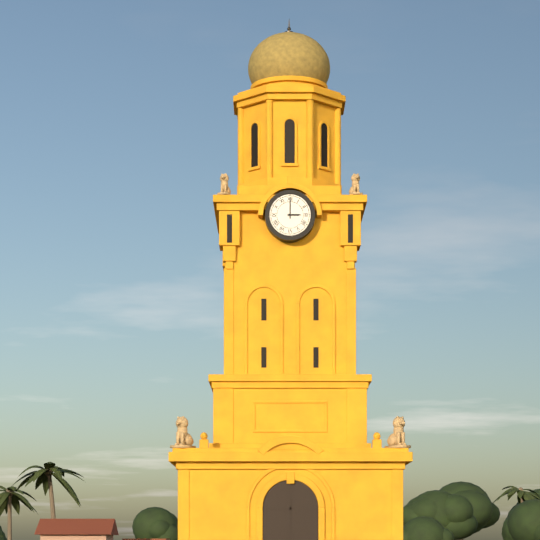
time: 3:00
